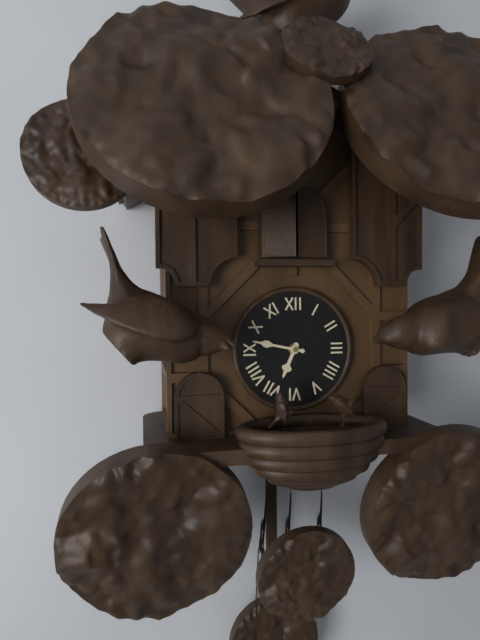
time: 6:47
